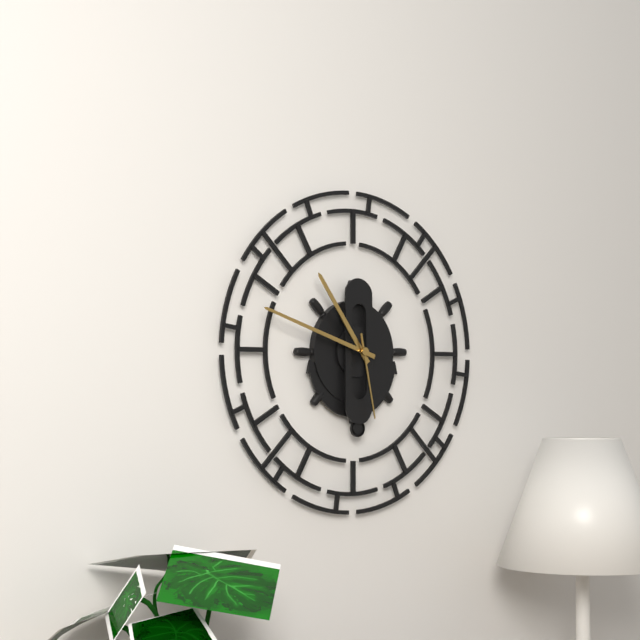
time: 10:48:28
